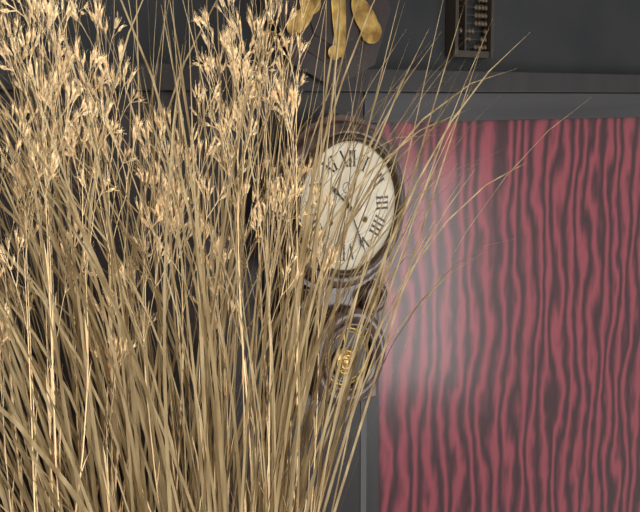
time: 10:26
